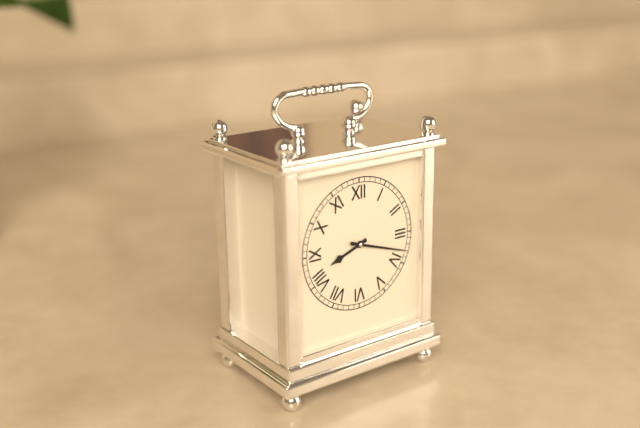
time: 8:18
